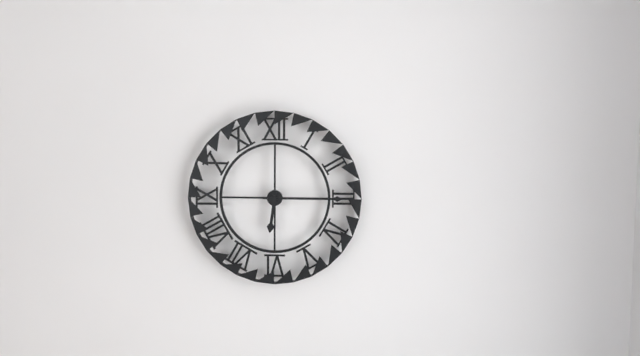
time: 6:15
